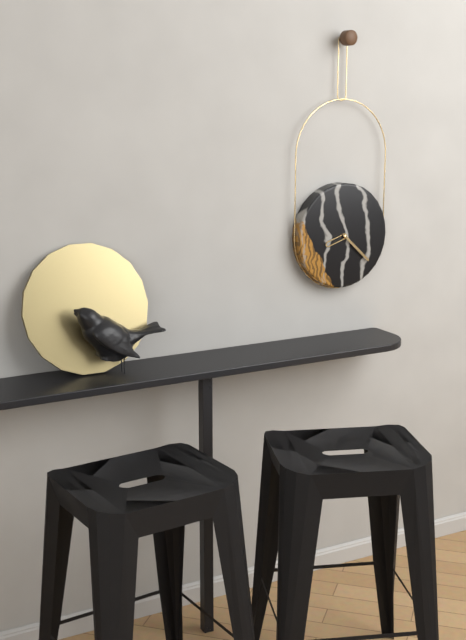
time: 8:22
